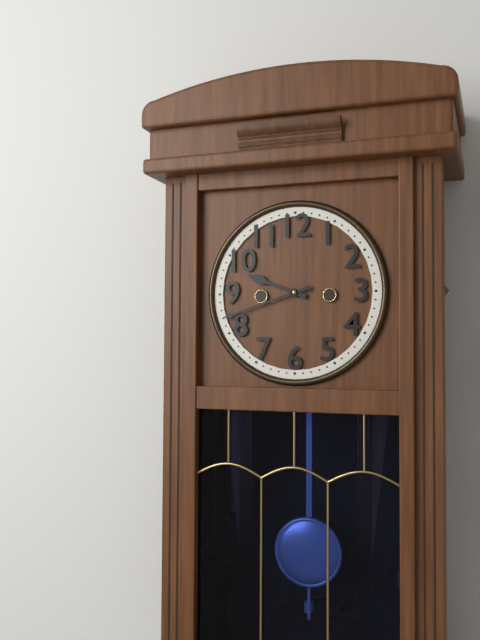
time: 9:42
